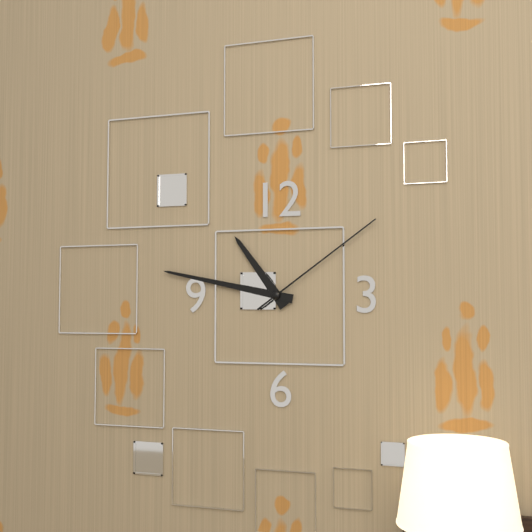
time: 10:47:09
